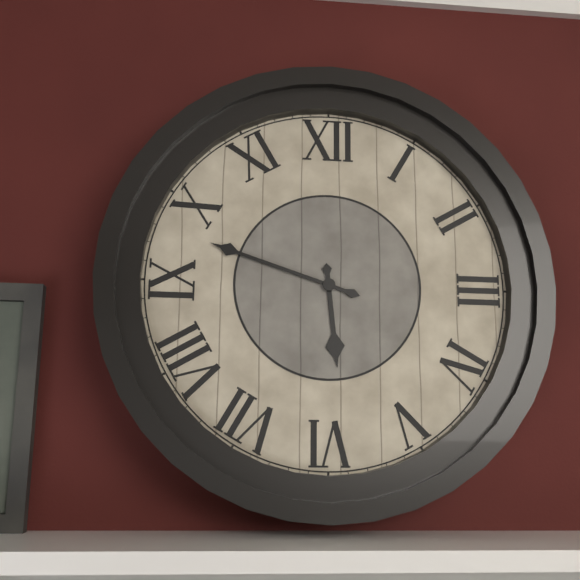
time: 5:48
